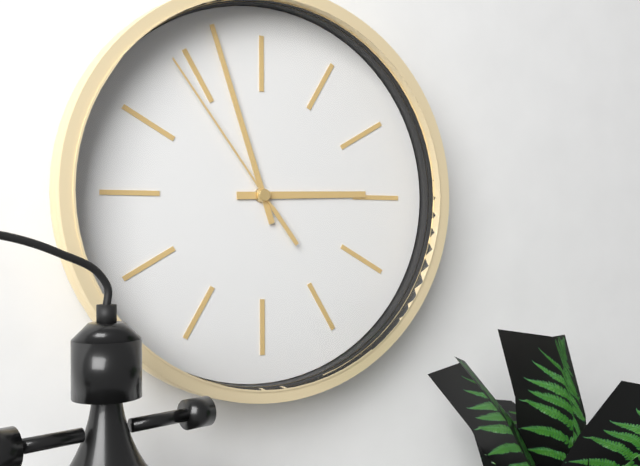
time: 2:57:54
